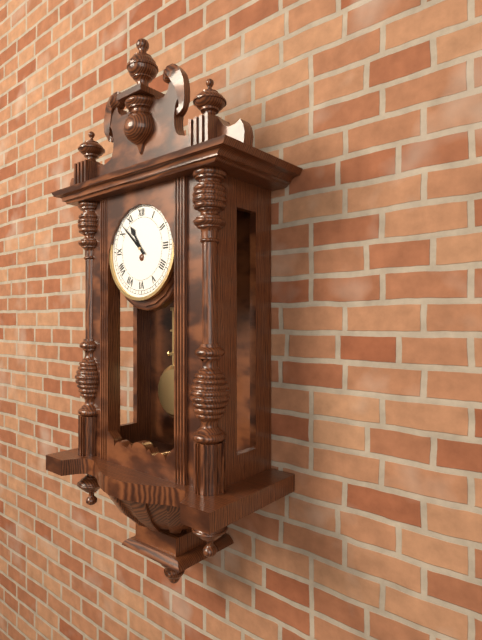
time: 10:52
